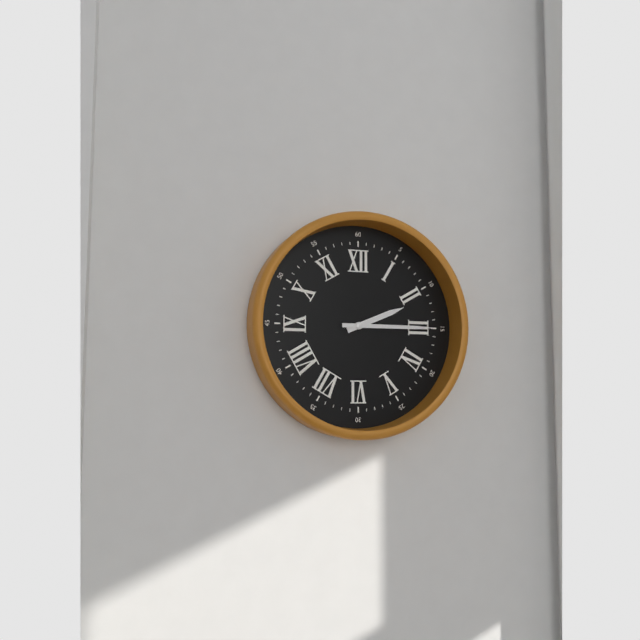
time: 2:15
